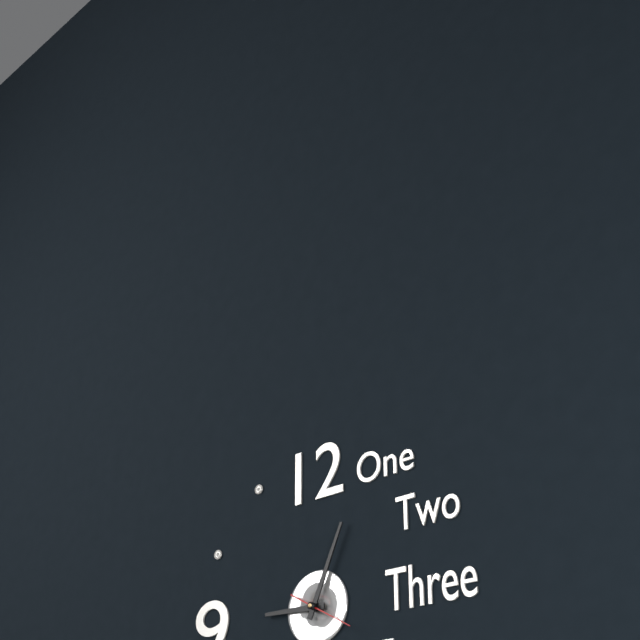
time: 9:04
